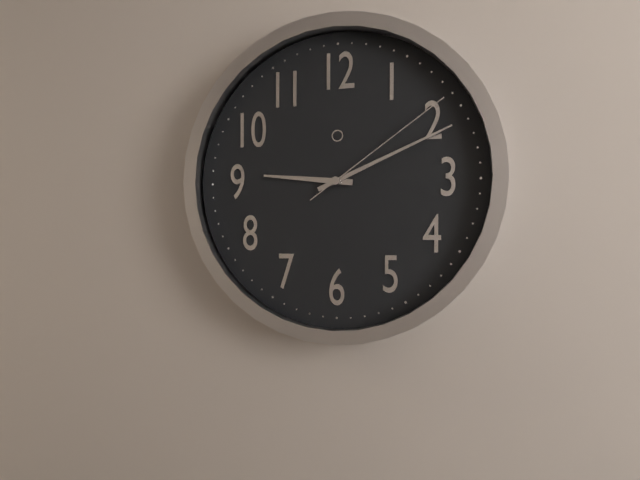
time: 9:11:09
